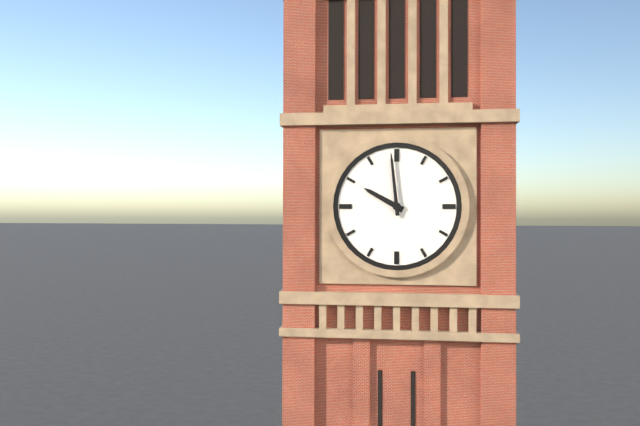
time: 9:59
